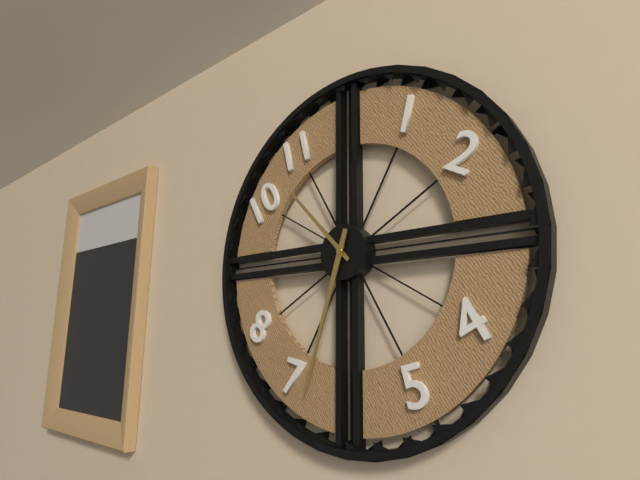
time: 10:33
